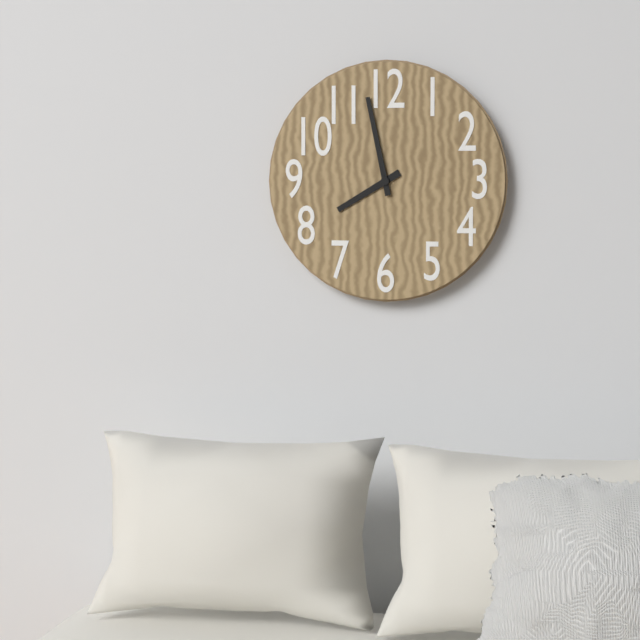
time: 7:58
